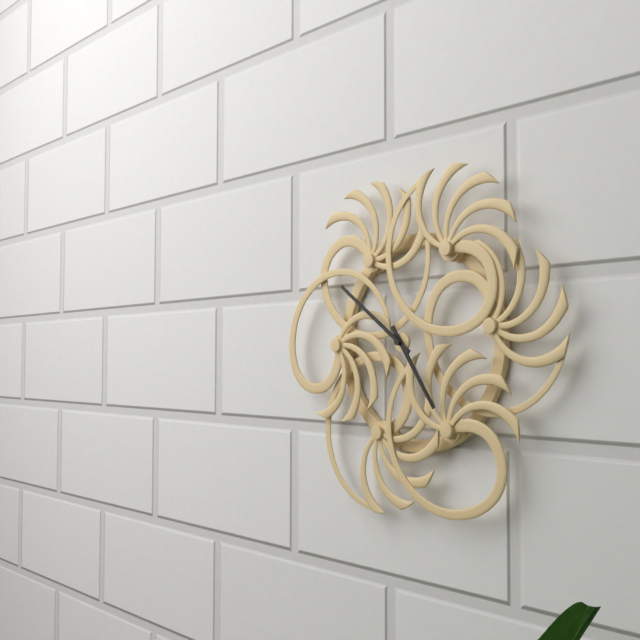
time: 4:51
